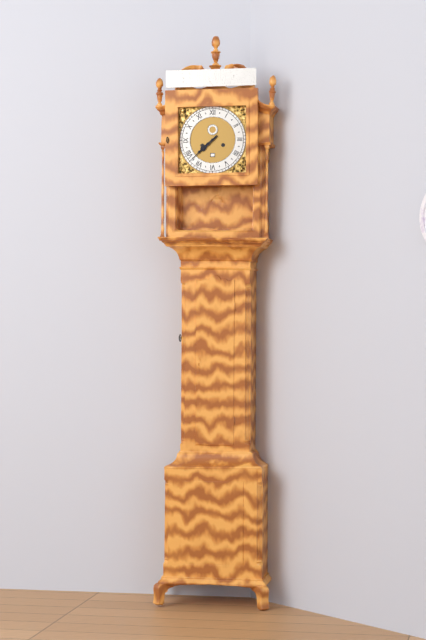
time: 7:38
